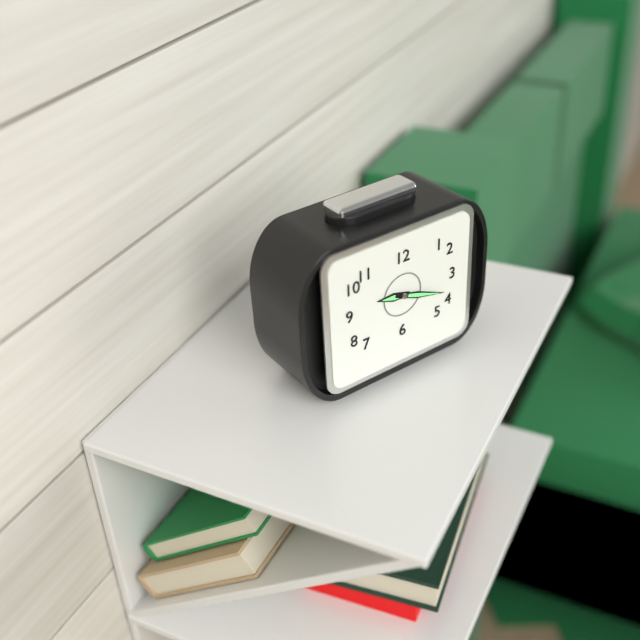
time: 9:18
